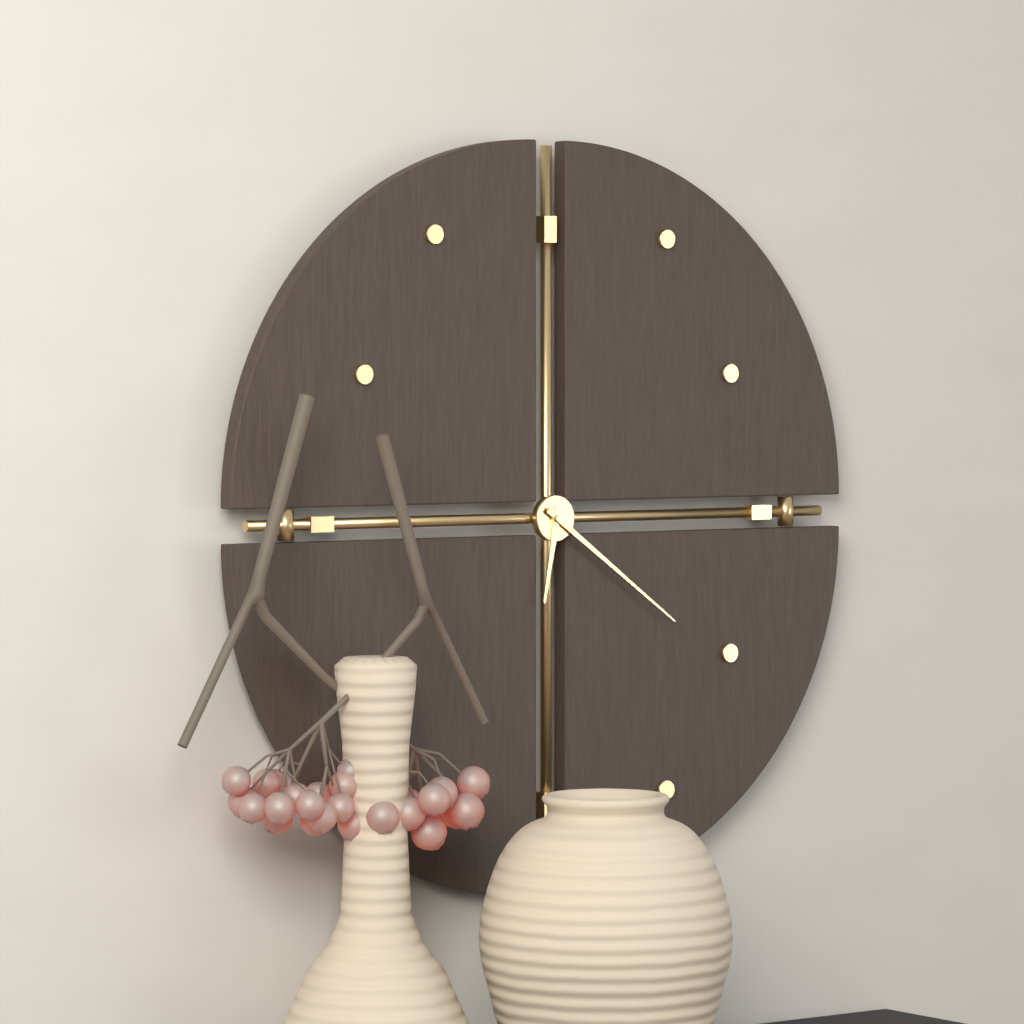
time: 6:21
